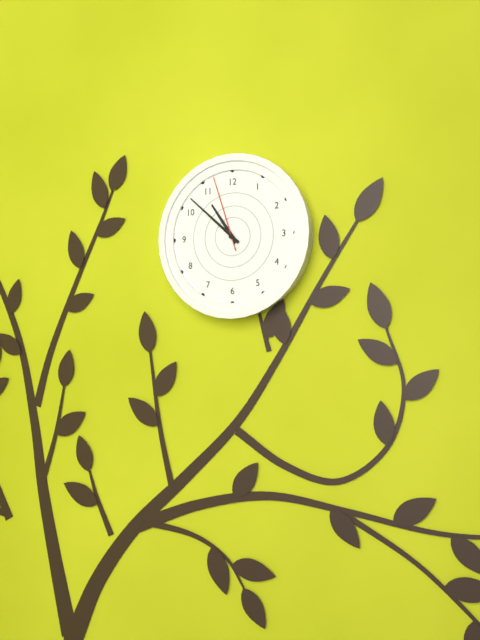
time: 10:52:57
